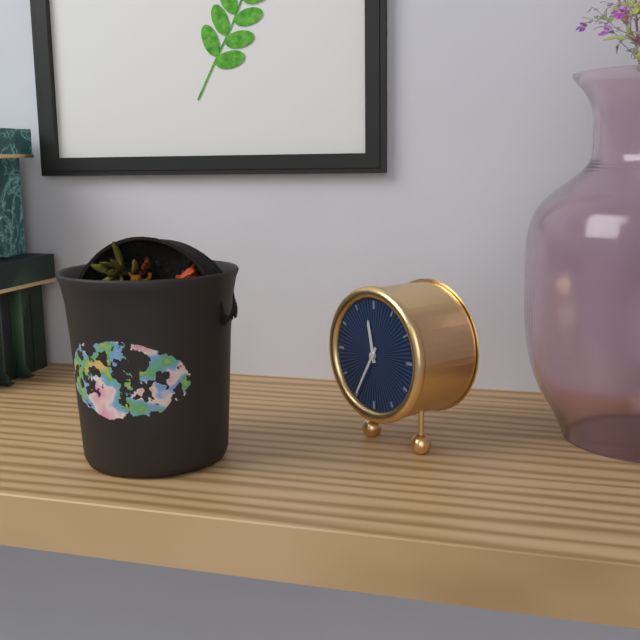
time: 11:35
